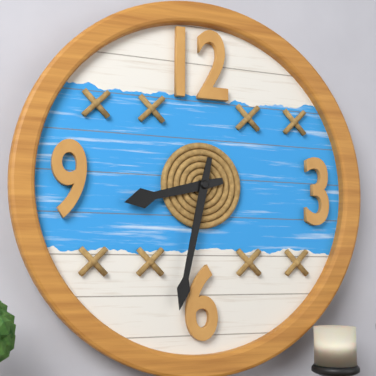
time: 8:32
